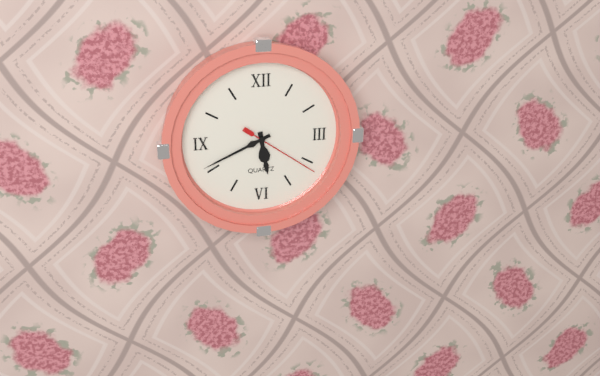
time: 5:41:21
